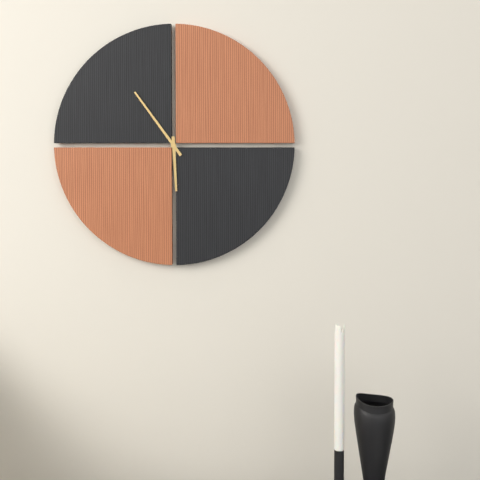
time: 5:54
